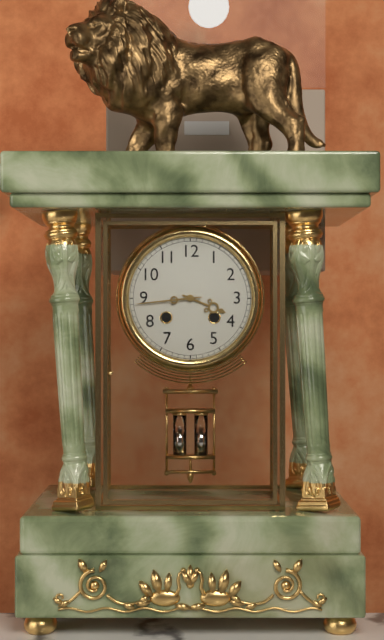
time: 3:44
